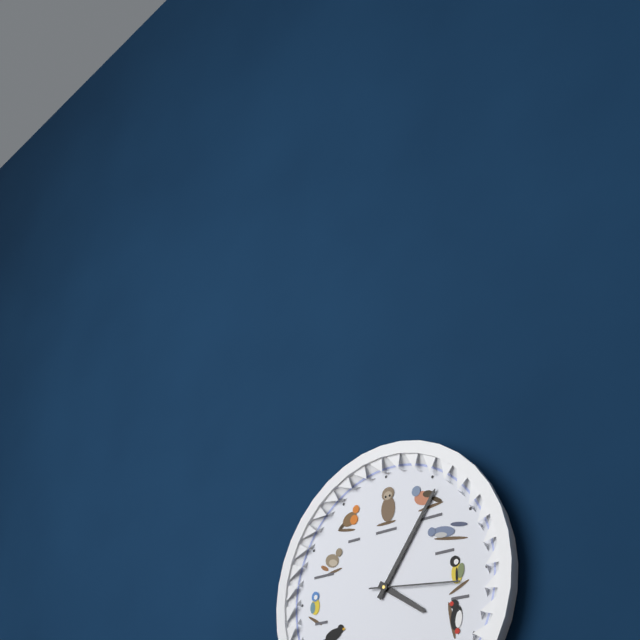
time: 4:06:16
